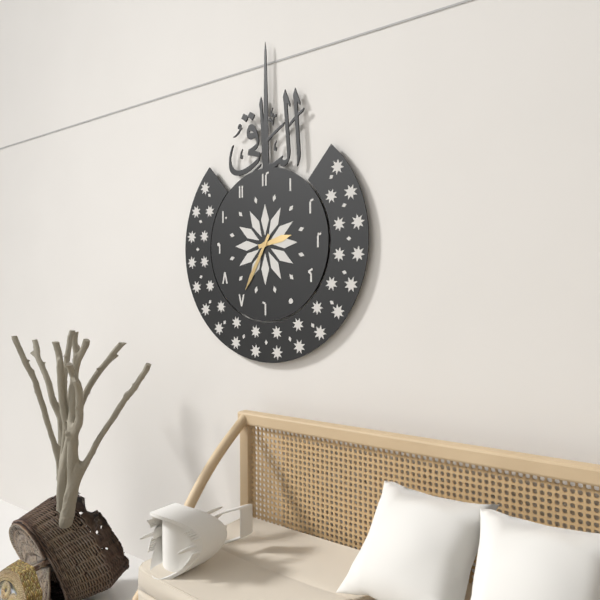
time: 2:35
